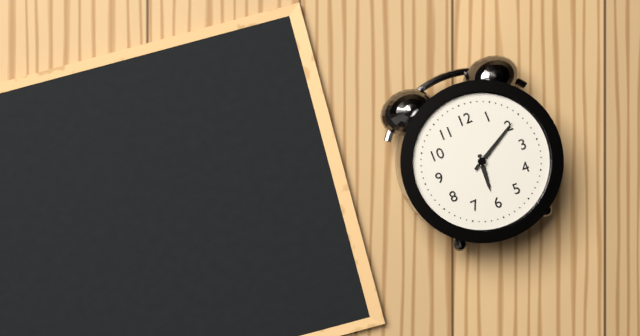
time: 6:10
